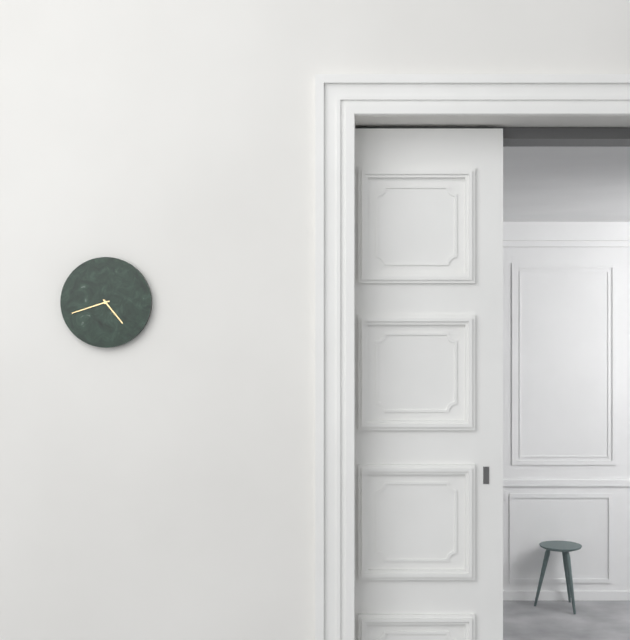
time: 4:42
